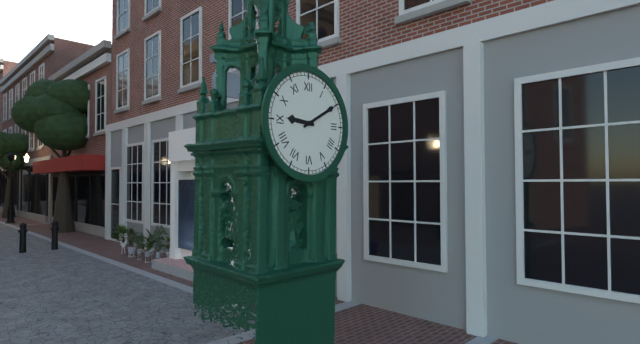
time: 9:10
